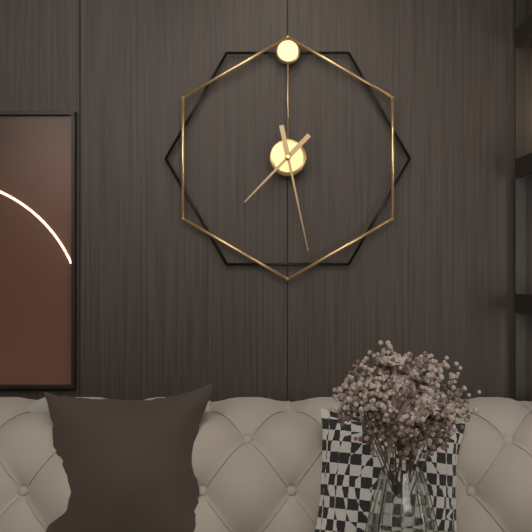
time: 7:28
